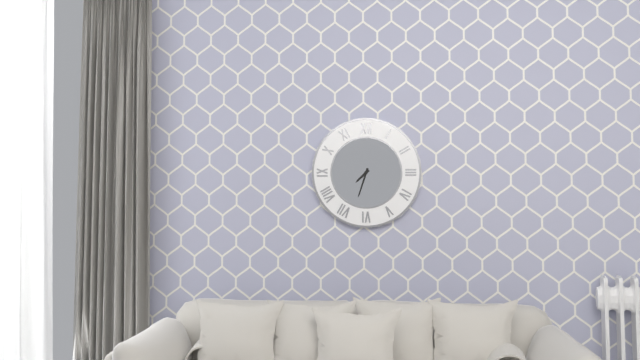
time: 7:33
